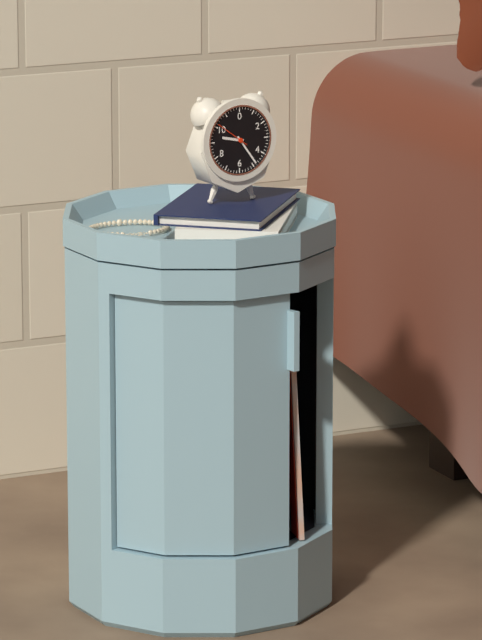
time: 9:24
